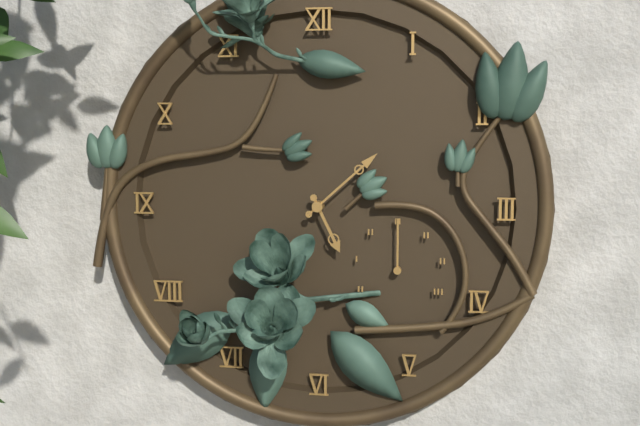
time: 5:08
